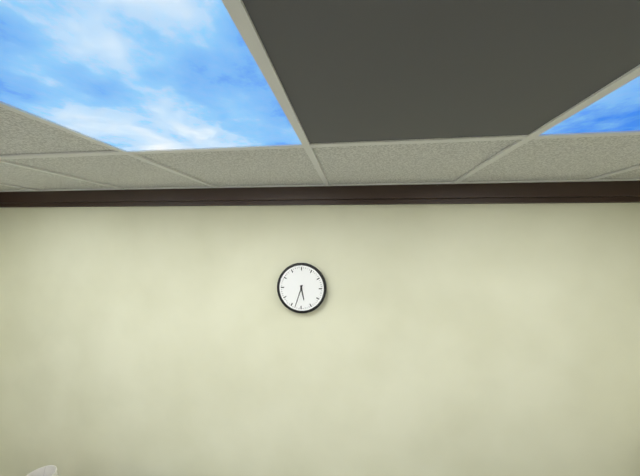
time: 5:33
